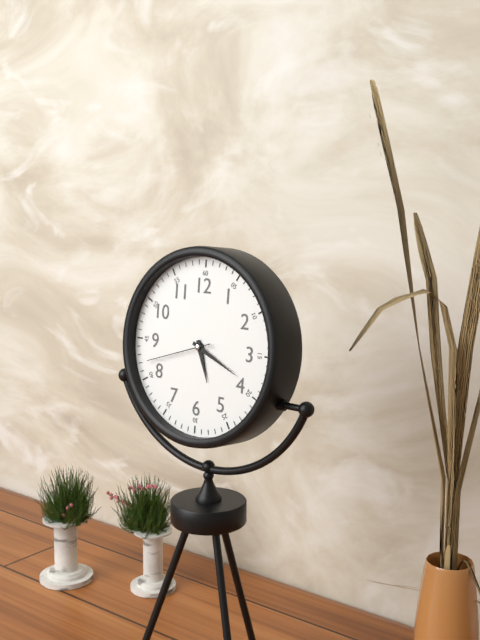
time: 5:19:42
